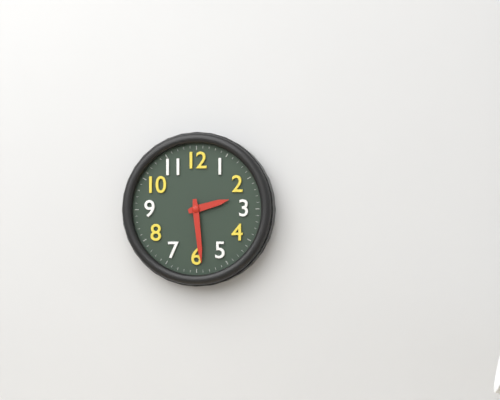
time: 2:29
